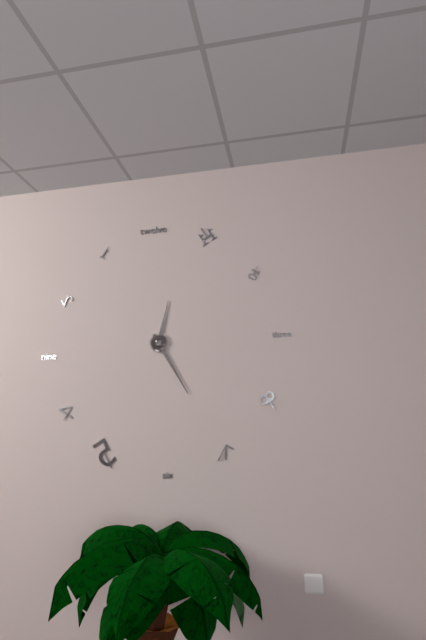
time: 12:25
